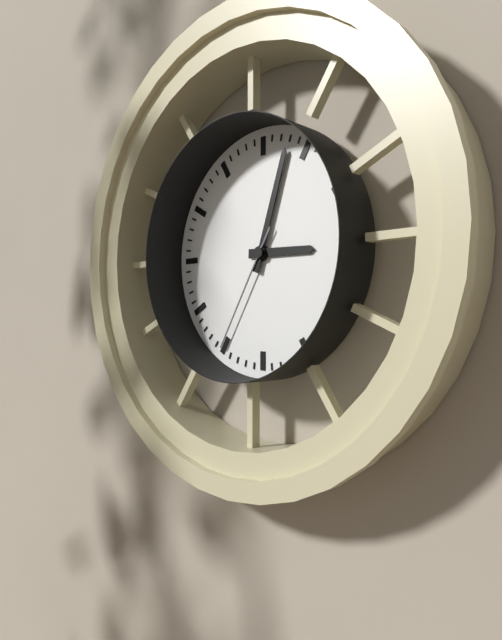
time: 3:03:35
